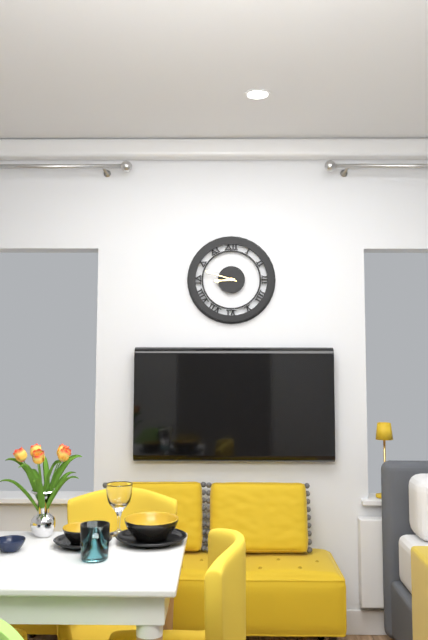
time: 8:48
